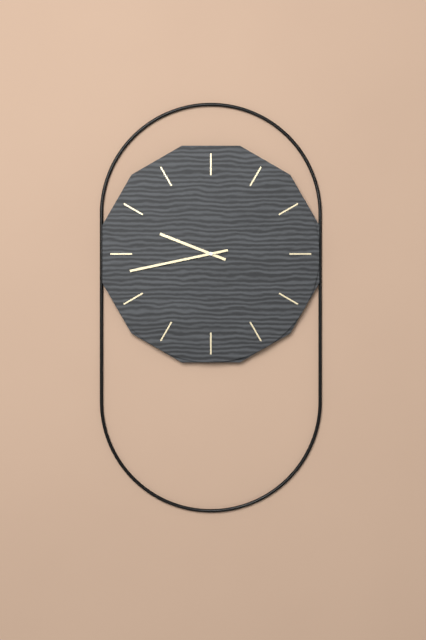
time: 9:43
